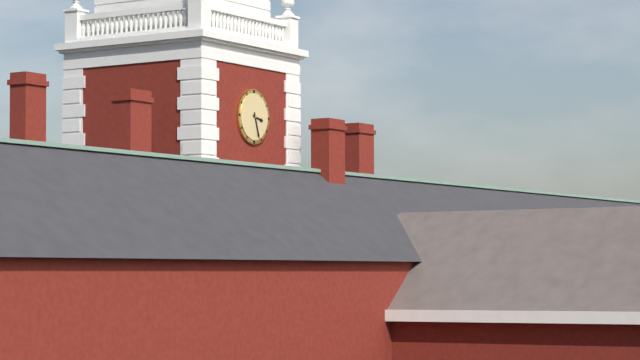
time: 3:27
